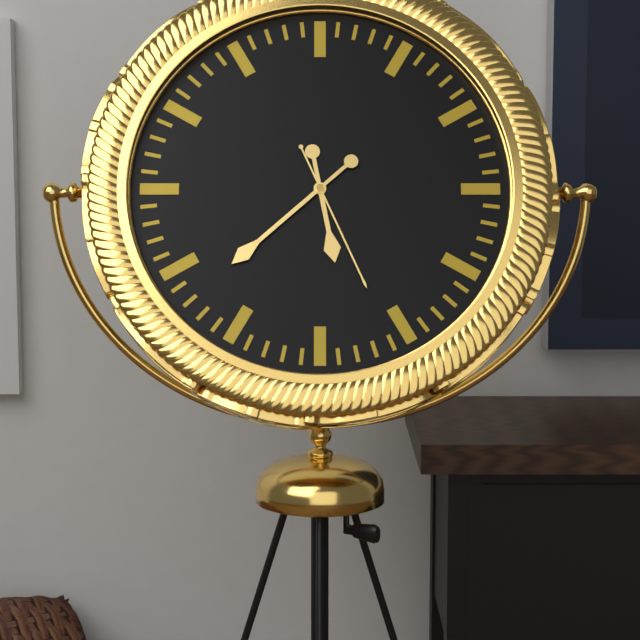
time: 5:38:26
